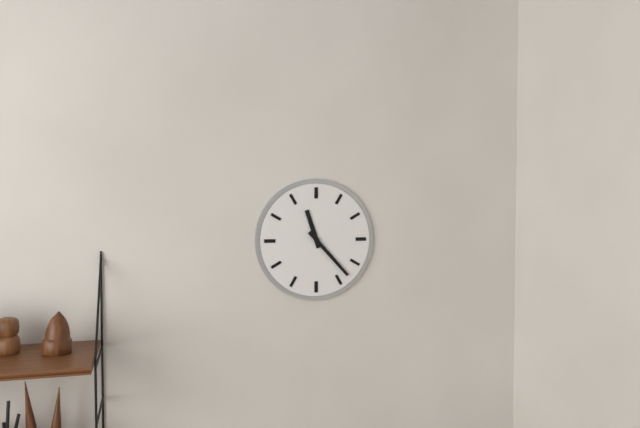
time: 11:23
